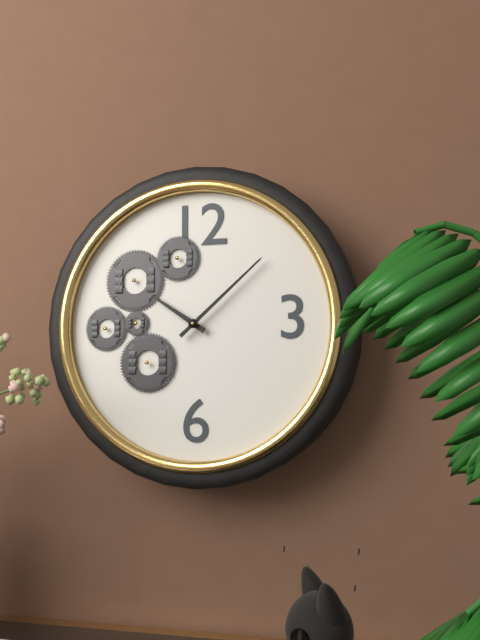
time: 10:08
